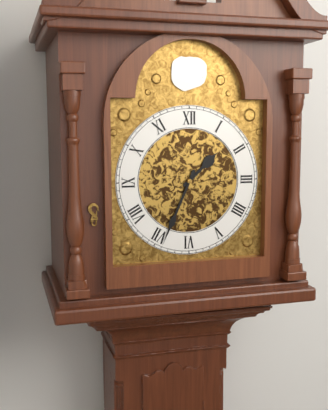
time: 1:34
